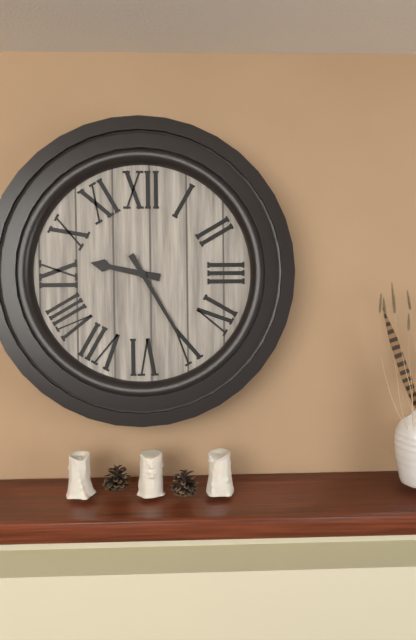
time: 9:25
